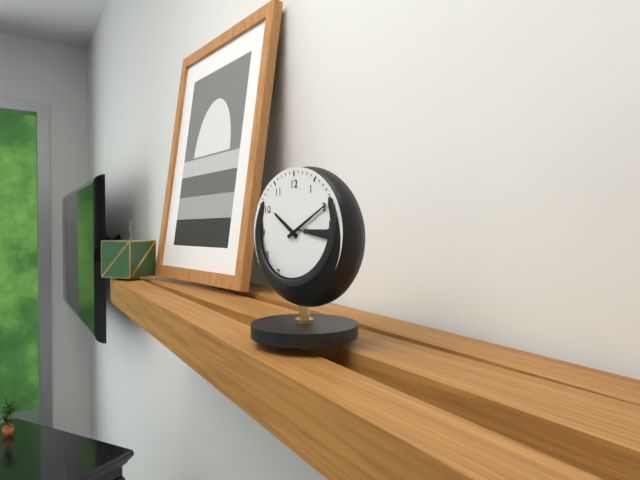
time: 10:10
